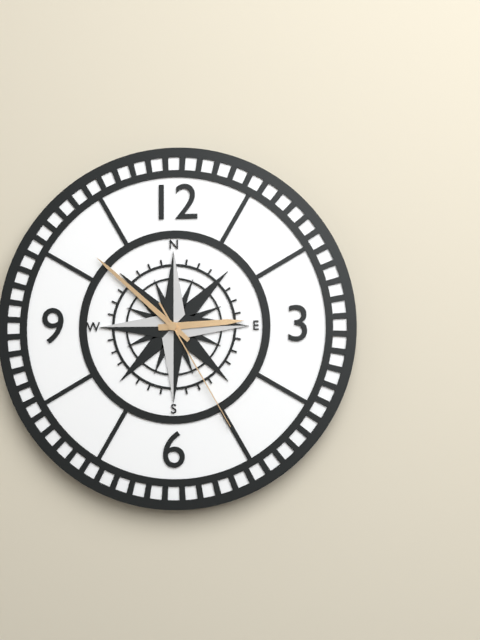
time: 2:52:25
